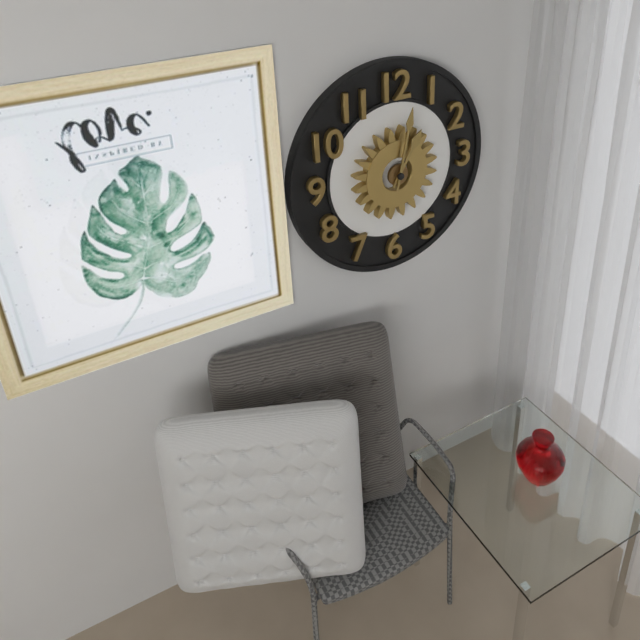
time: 1:02
